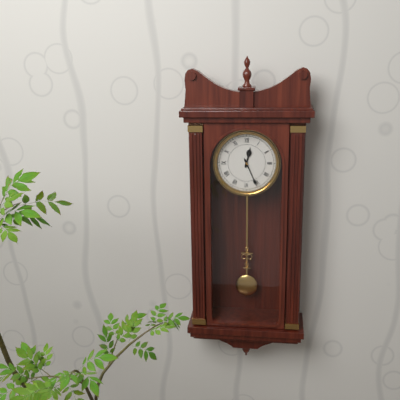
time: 12:26
